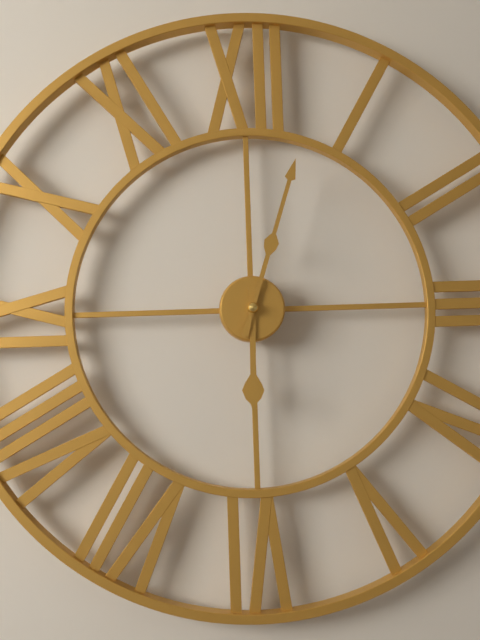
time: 6:03
